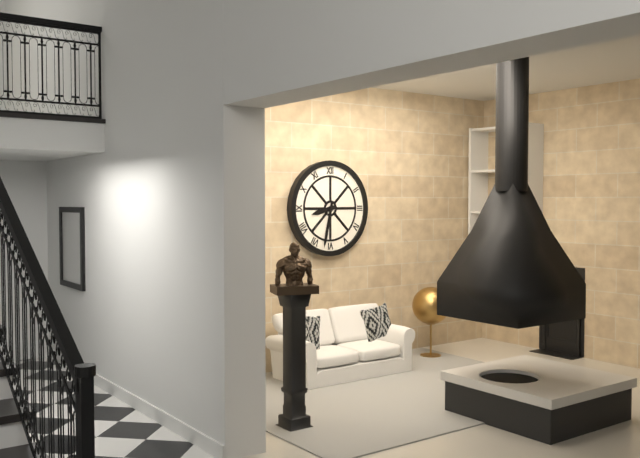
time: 8:32
